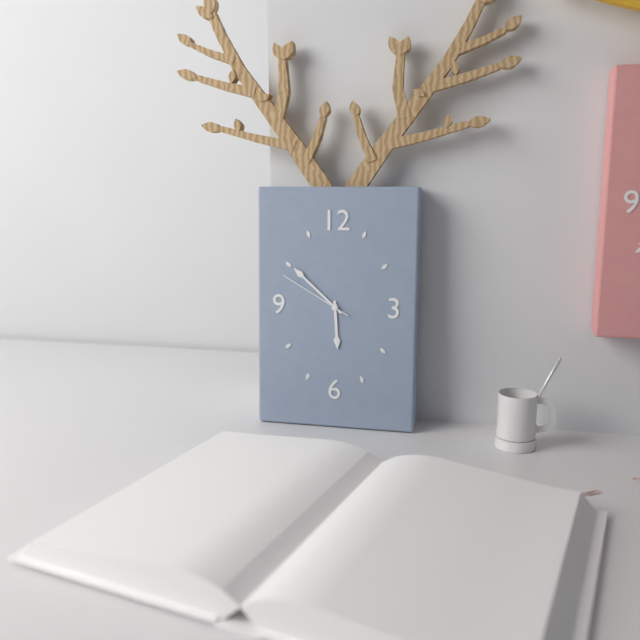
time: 5:52:50
